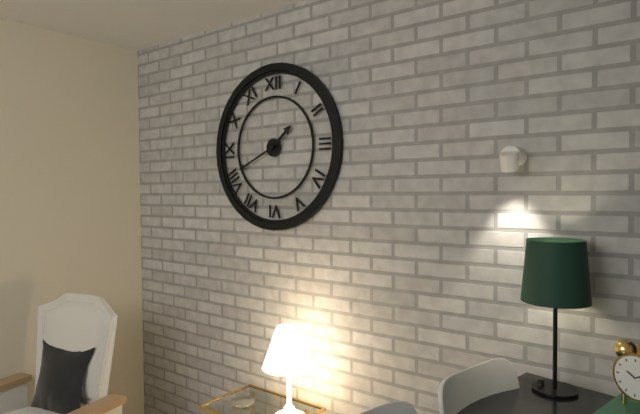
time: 1:41
